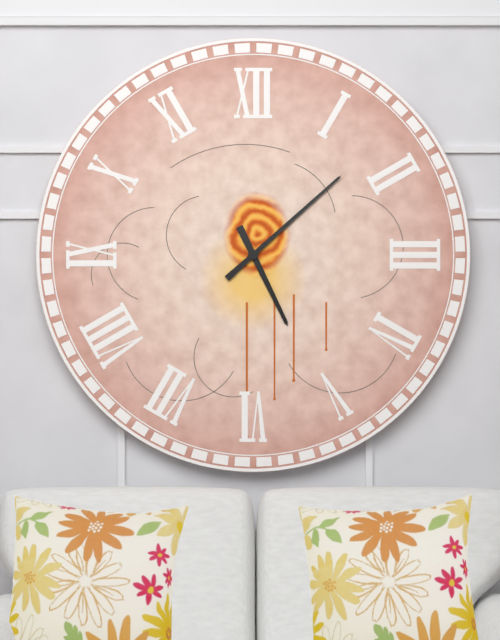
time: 5:08
